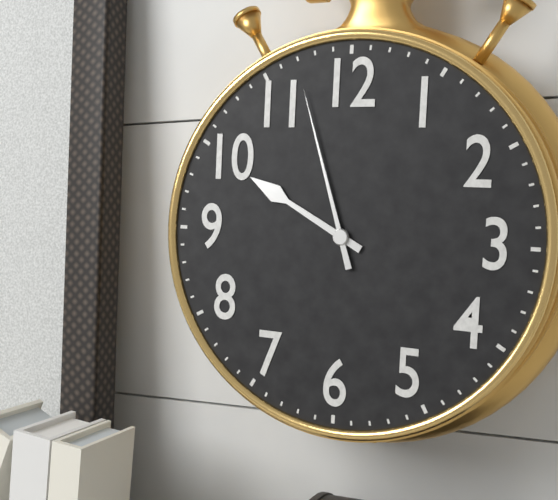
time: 9:57
